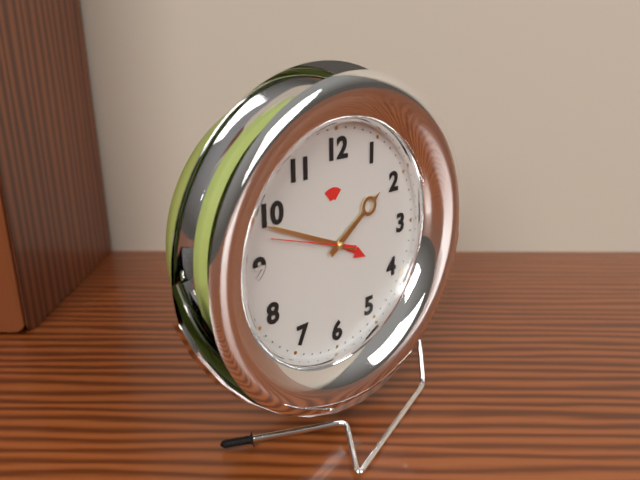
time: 1:49:48
